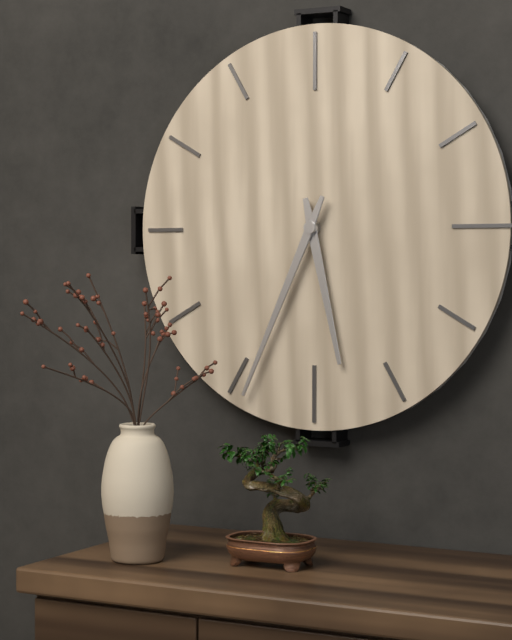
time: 5:34
